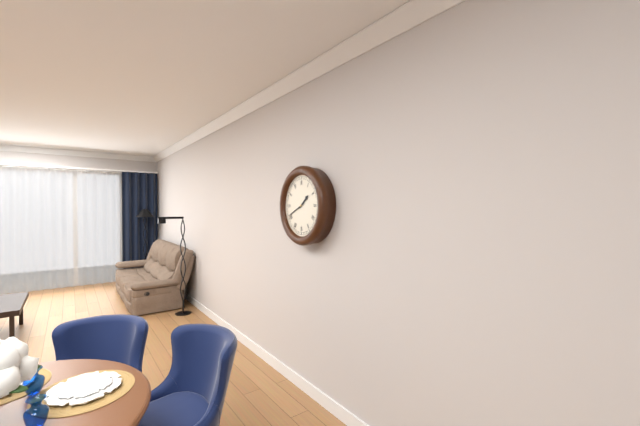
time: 1:41
